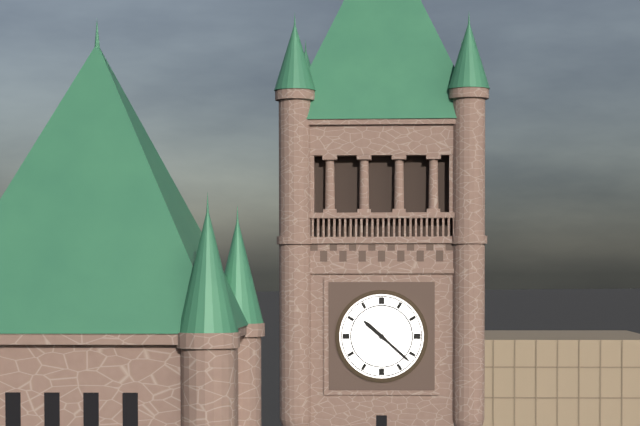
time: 10:22
